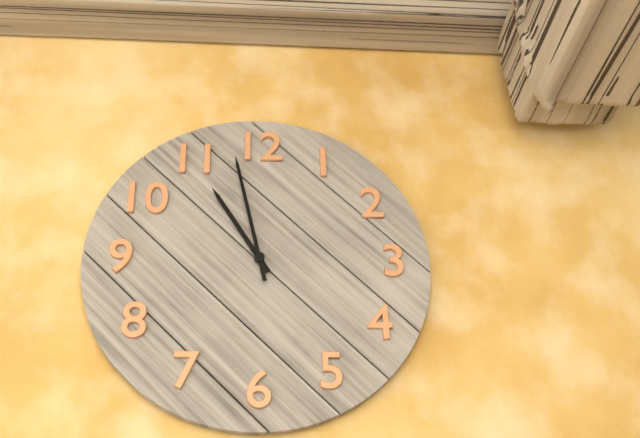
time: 10:58
